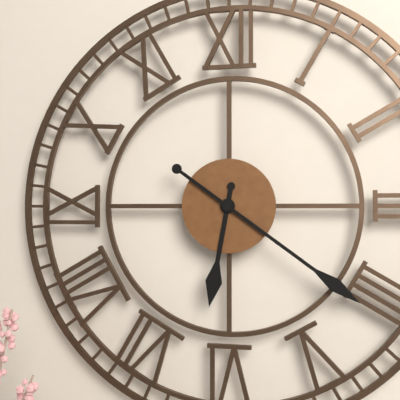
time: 6:21
